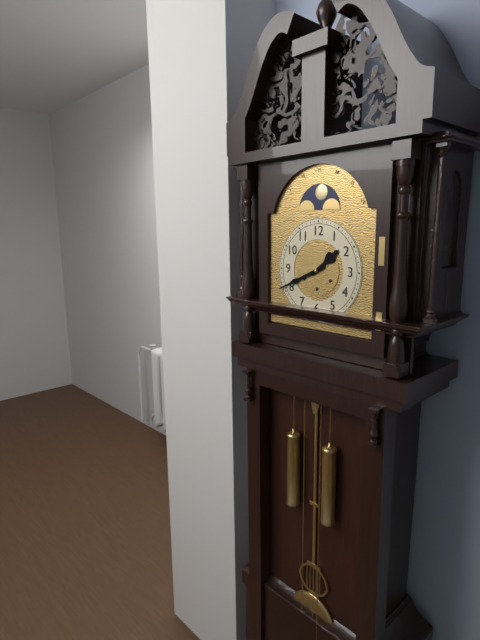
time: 1:41
